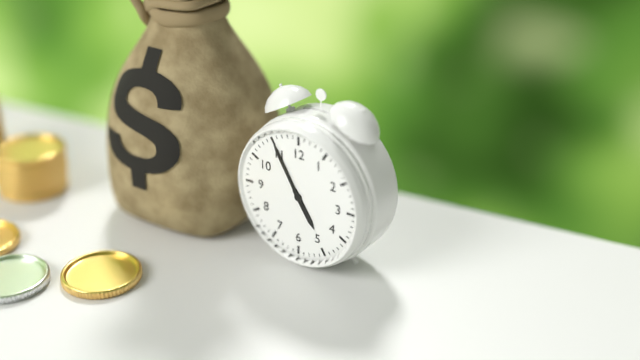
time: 4:55
